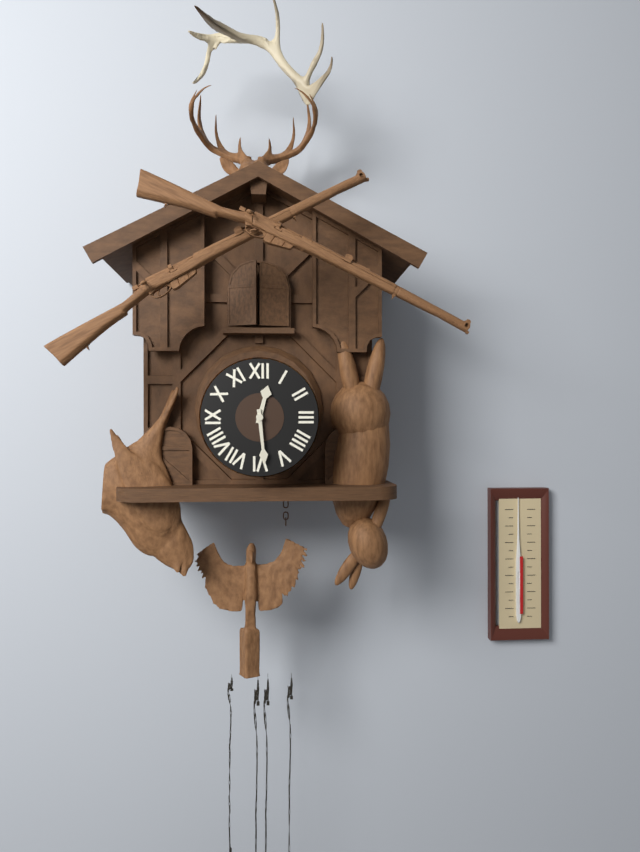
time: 12:29
